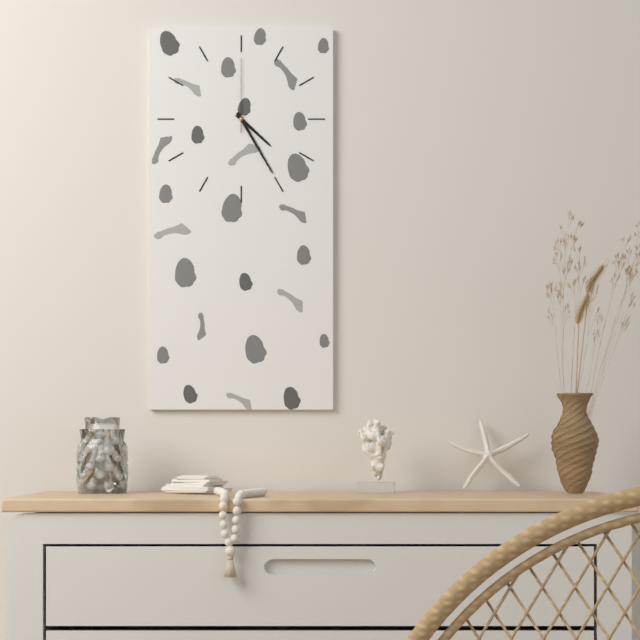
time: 4:25:00
